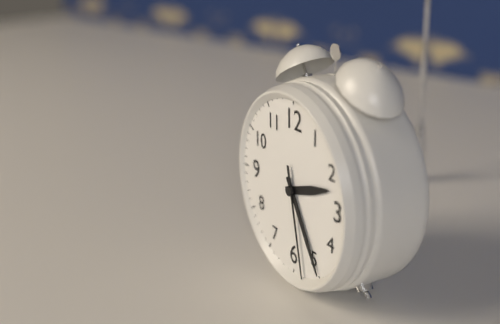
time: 2:25:28
